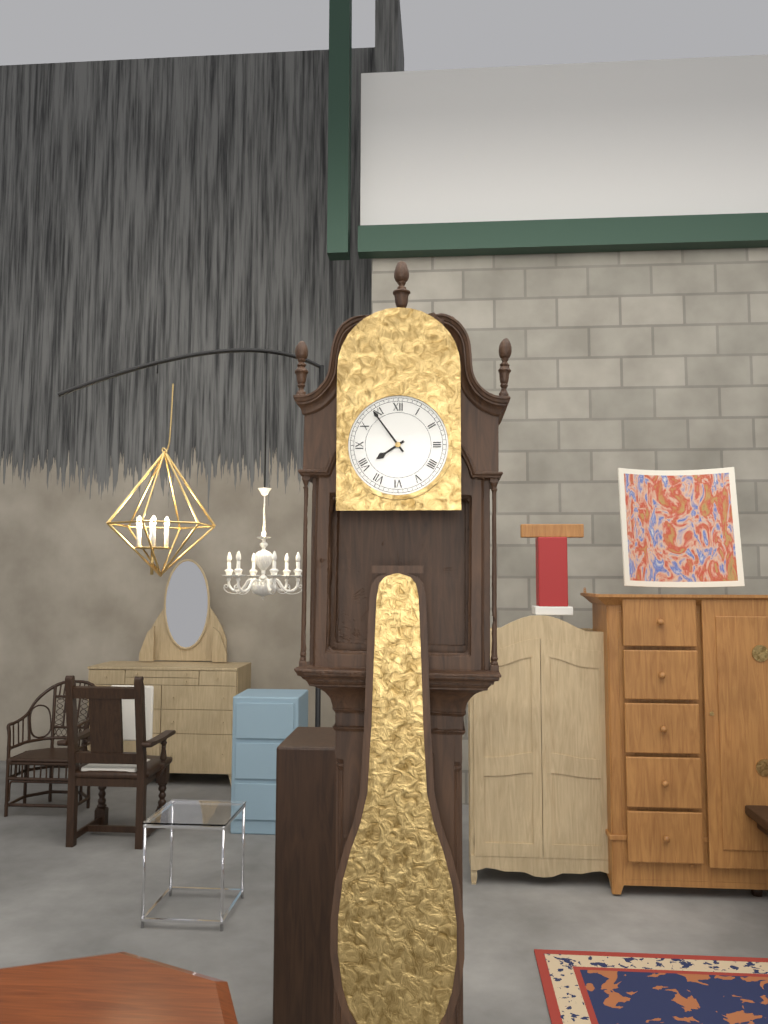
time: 7:54
